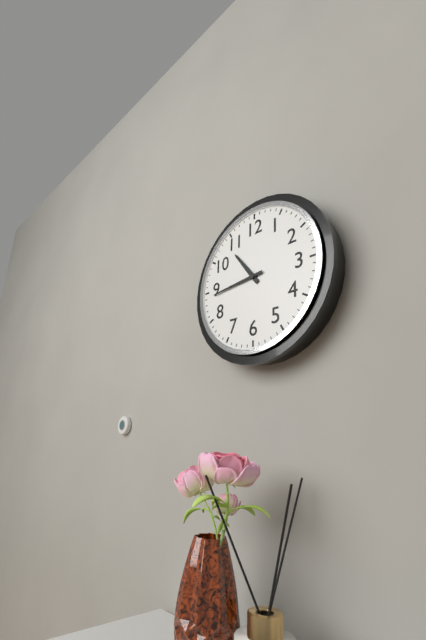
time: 10:44
